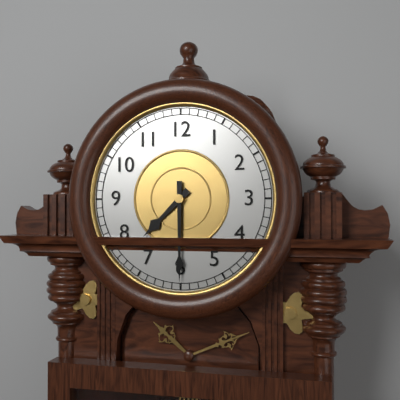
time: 7:30
